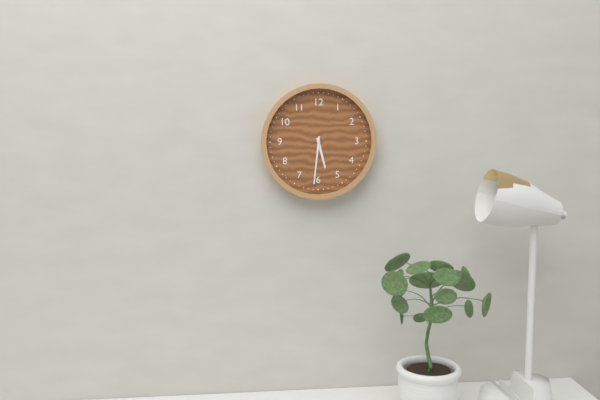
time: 5:31
